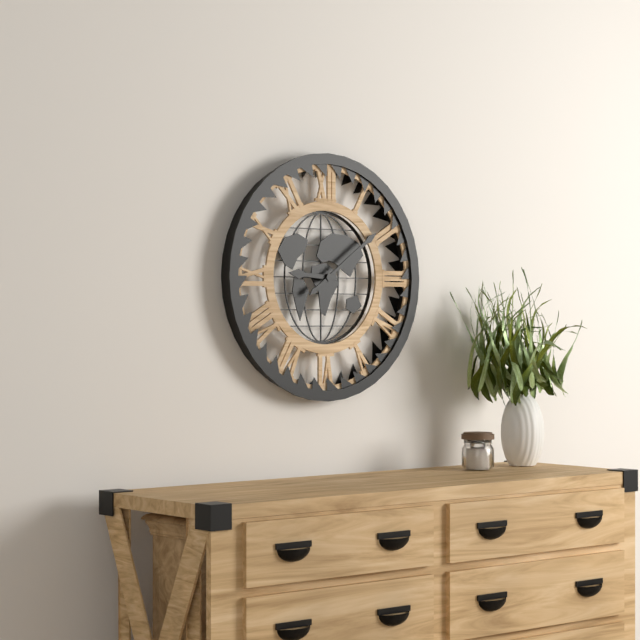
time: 9:09
